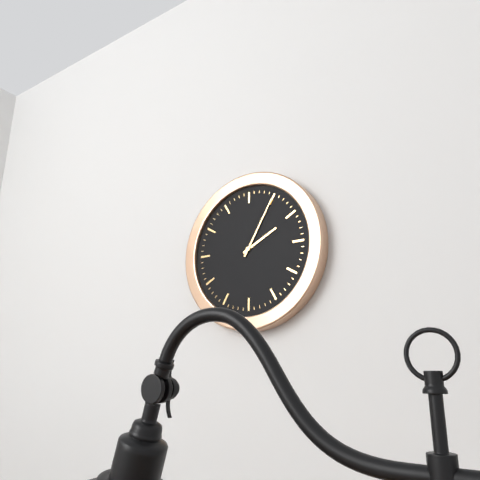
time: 2:05
